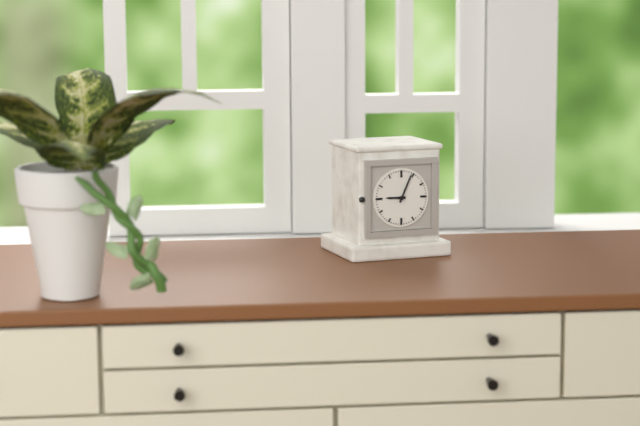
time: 9:04
